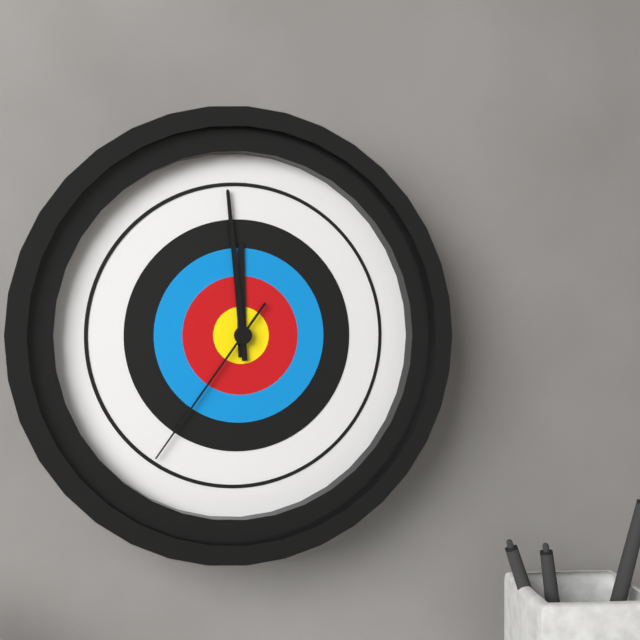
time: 11:59:36
